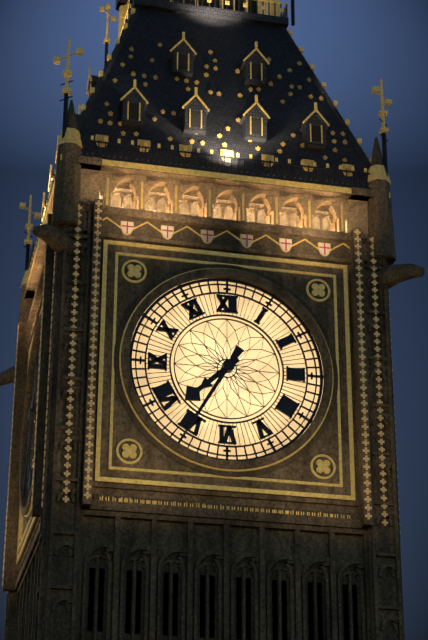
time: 7:35
